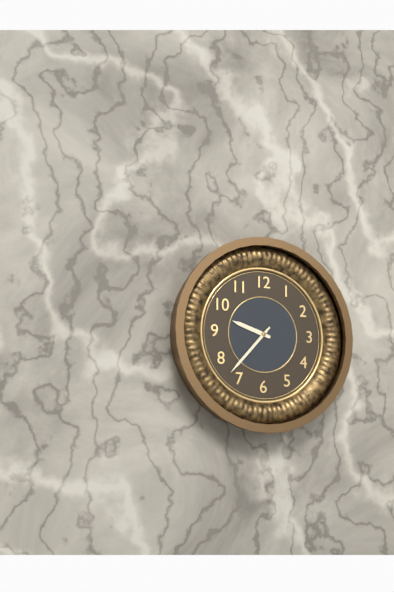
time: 9:37
